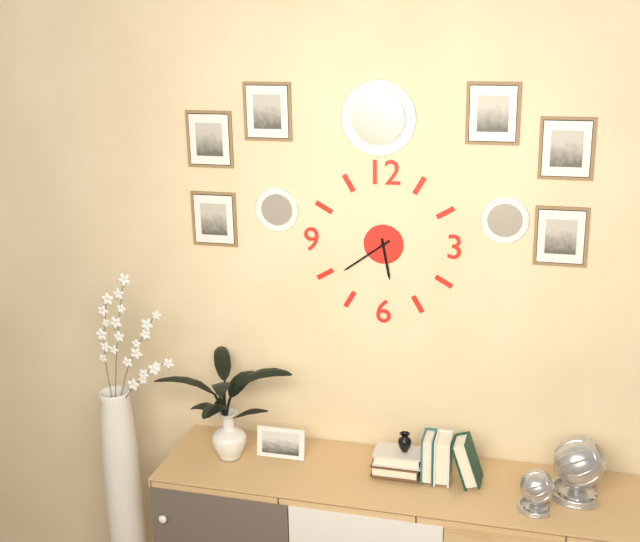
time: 5:39
